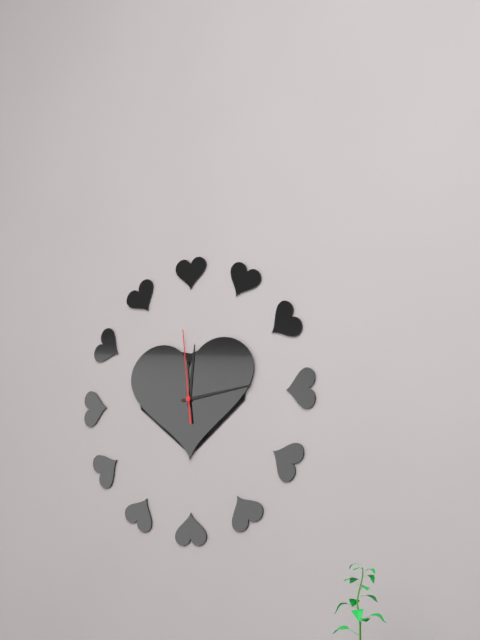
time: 12:14:59
